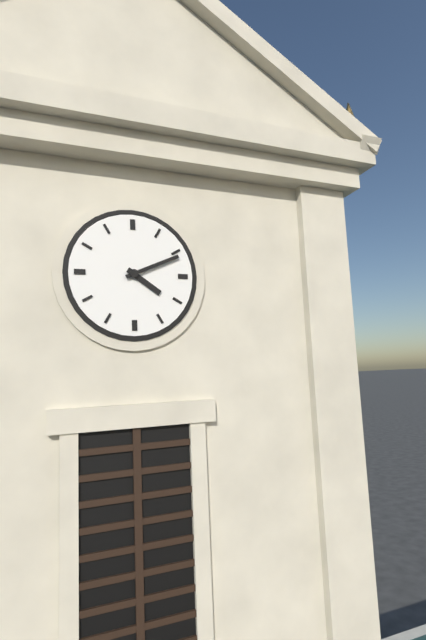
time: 4:11
